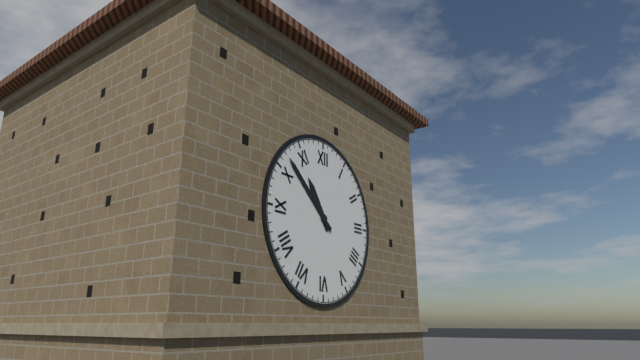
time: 10:52
